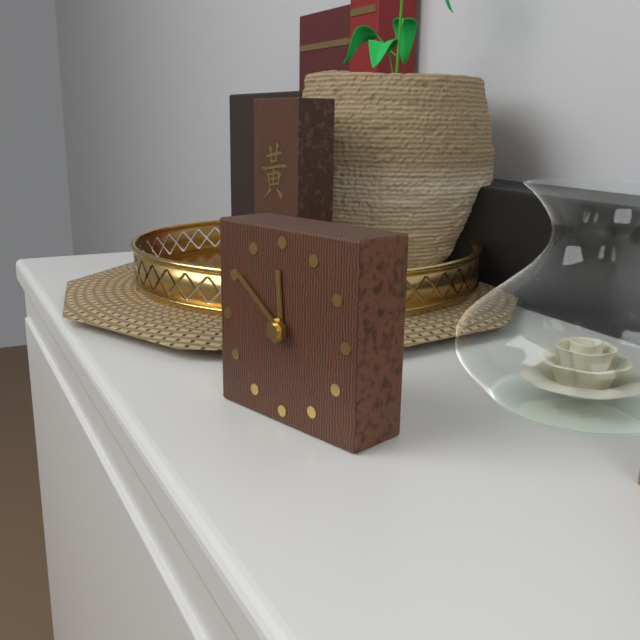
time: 11:51
